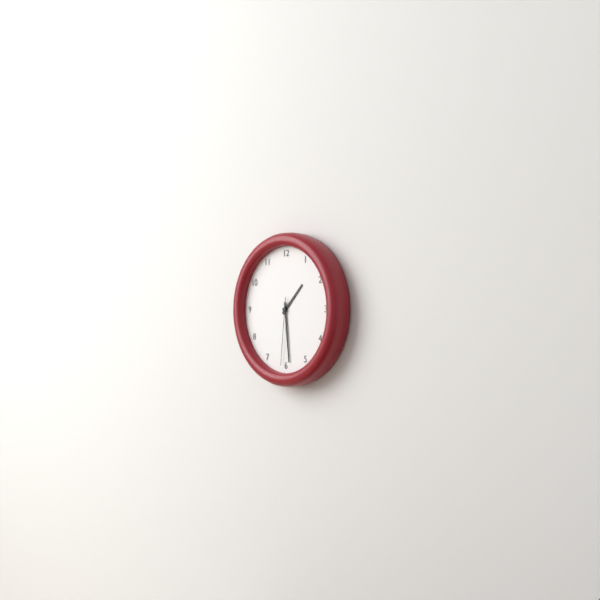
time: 1:29:31
